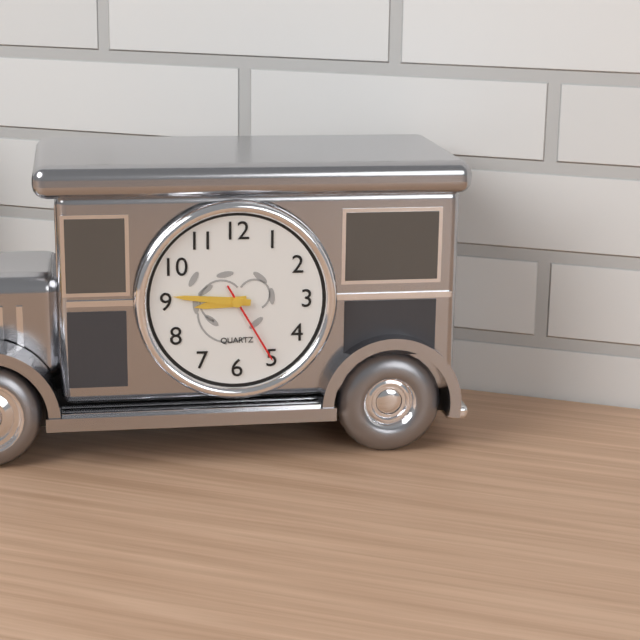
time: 8:46:25
